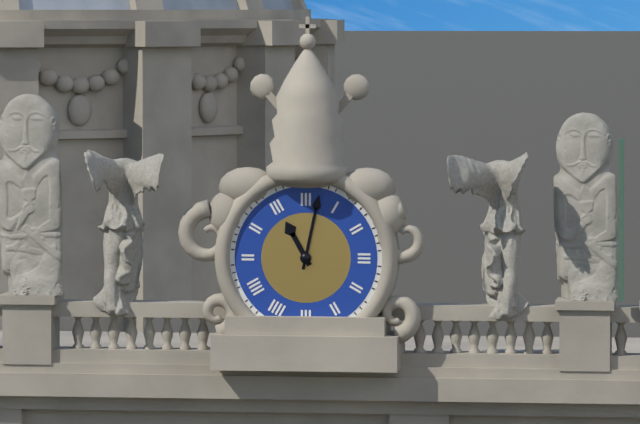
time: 11:02
